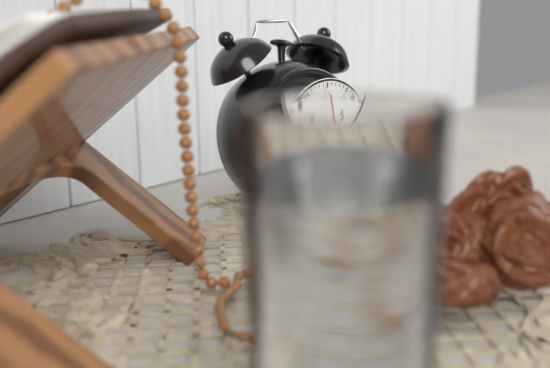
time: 10:42:28
